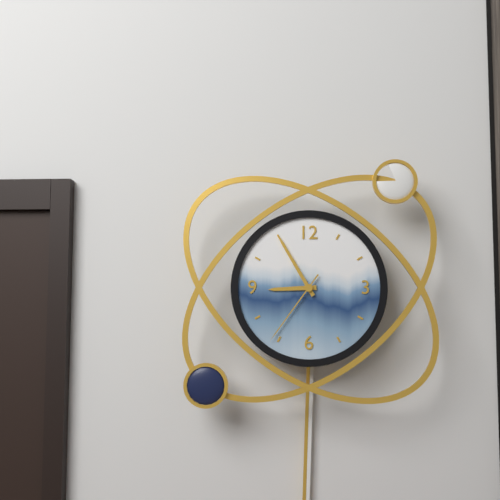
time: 8:55:36
